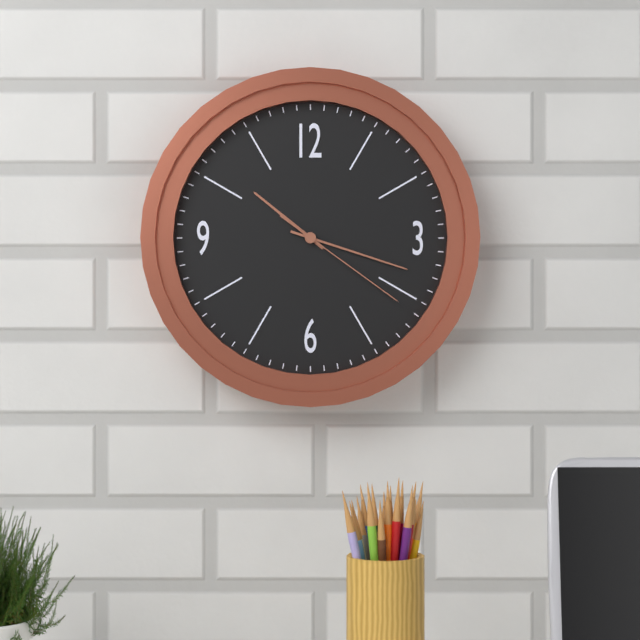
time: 10:18:21
